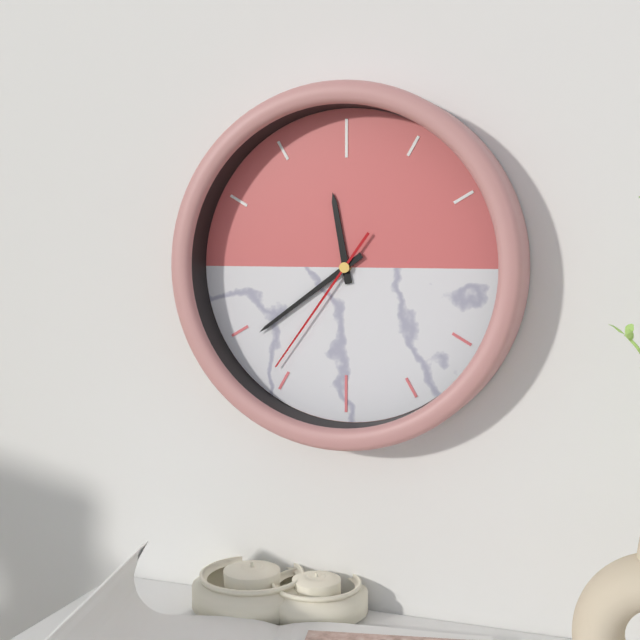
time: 11:39:36
